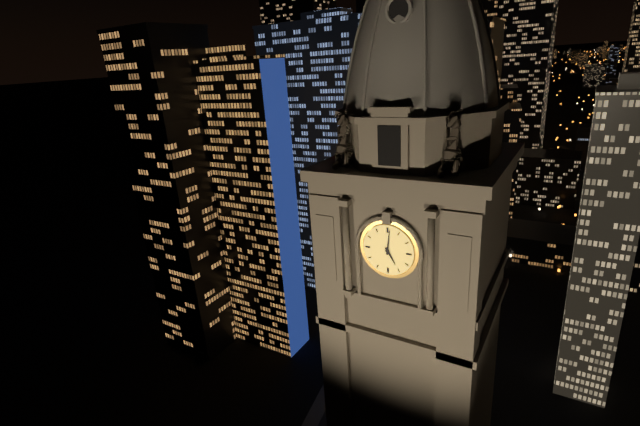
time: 5:01
